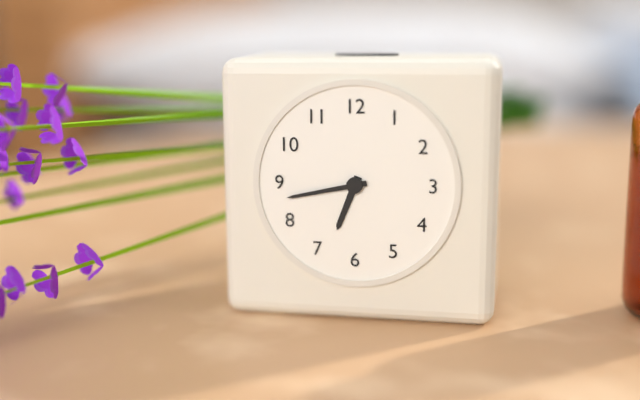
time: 6:43
